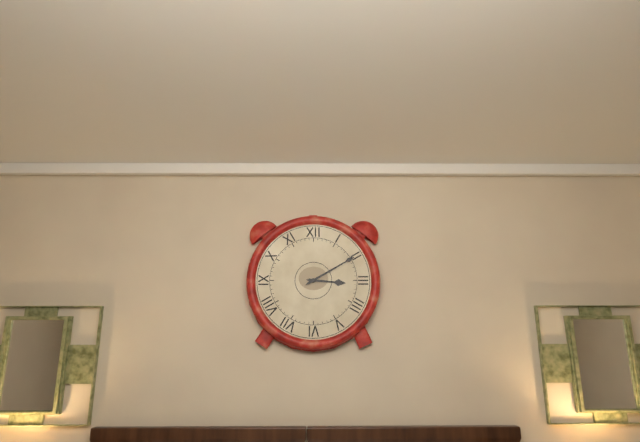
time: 3:10
